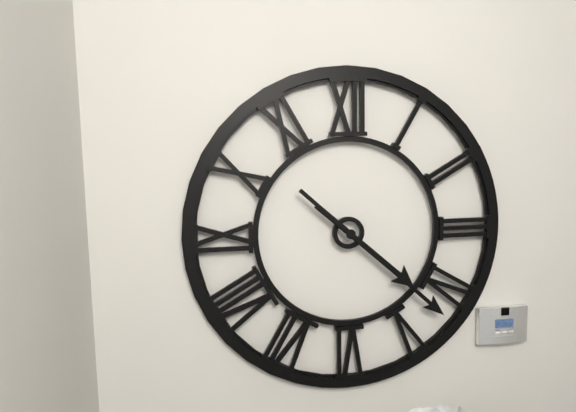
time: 4:22
